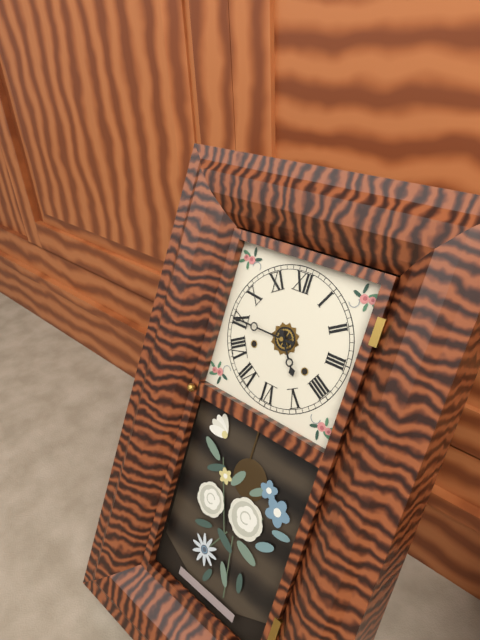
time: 4:45
